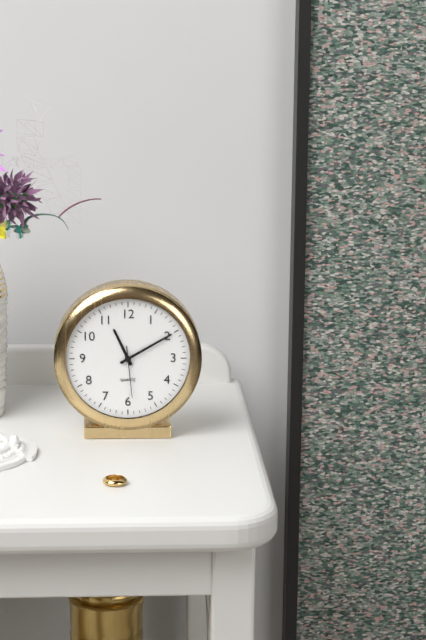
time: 11:10:29
